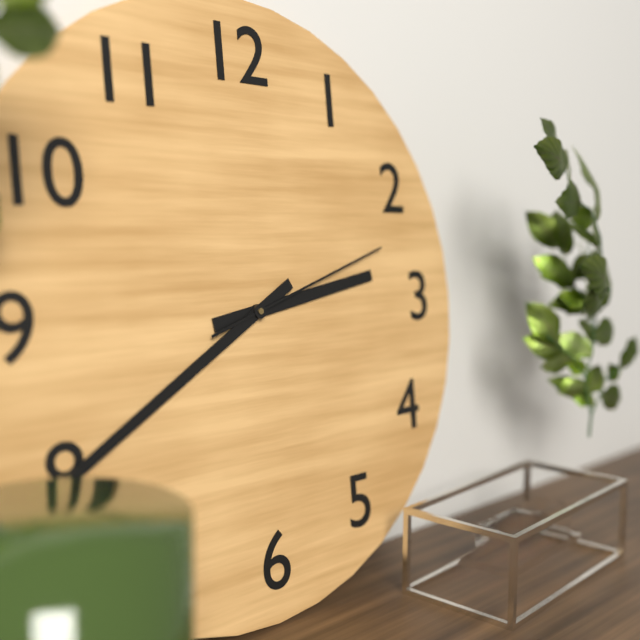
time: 2:40:12
